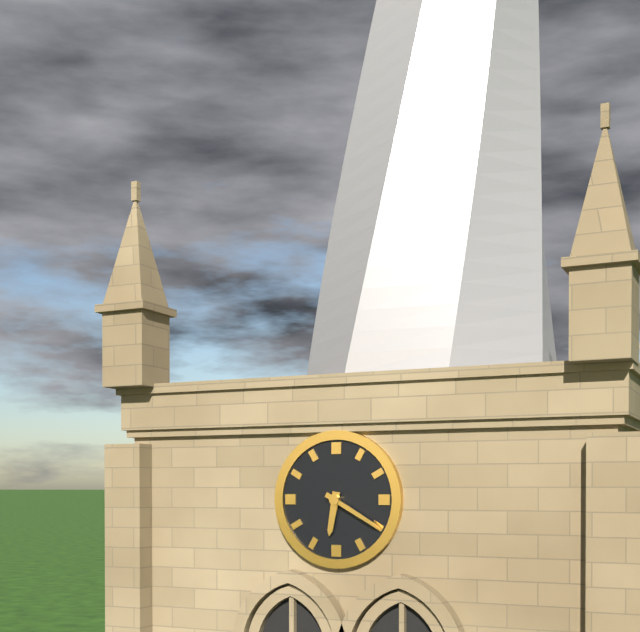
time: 6:20
